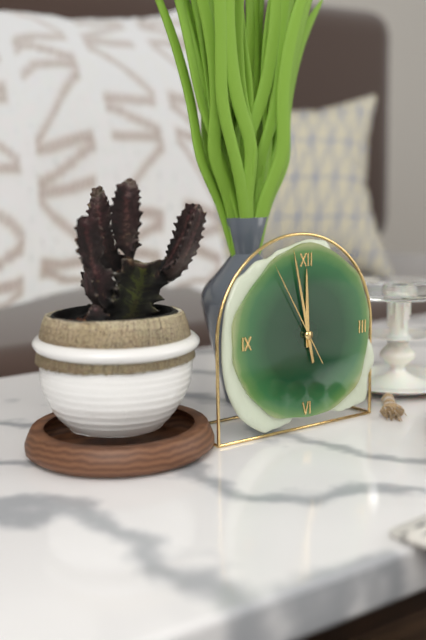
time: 11:58:55
